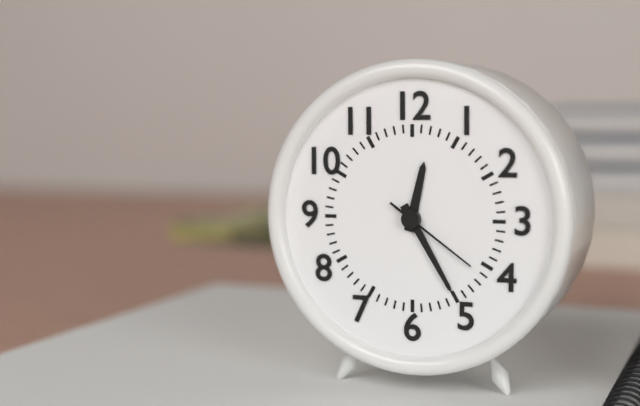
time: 12:25:21
